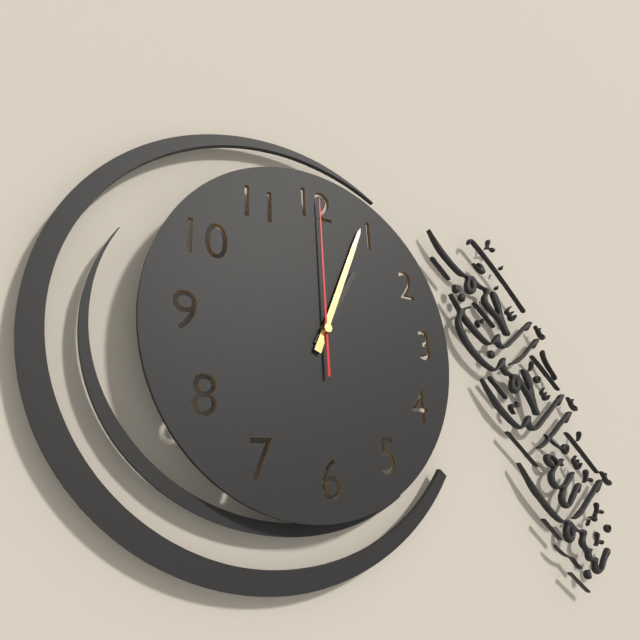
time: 1:04:00
